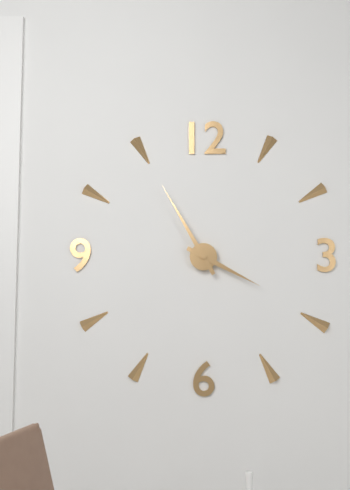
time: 3:55
